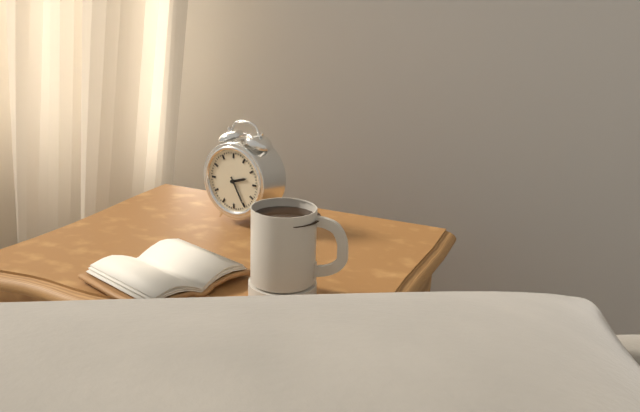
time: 2:25
